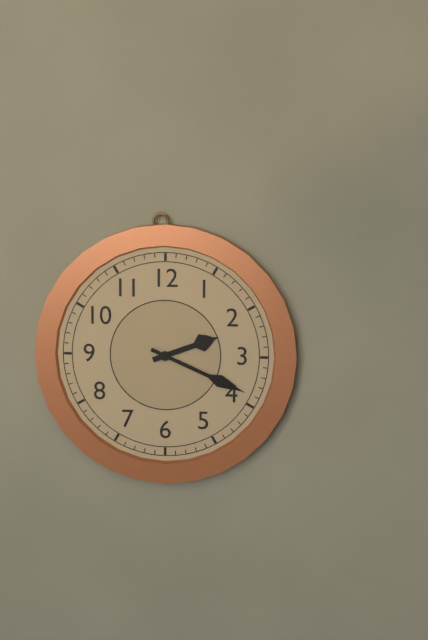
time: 2:19
